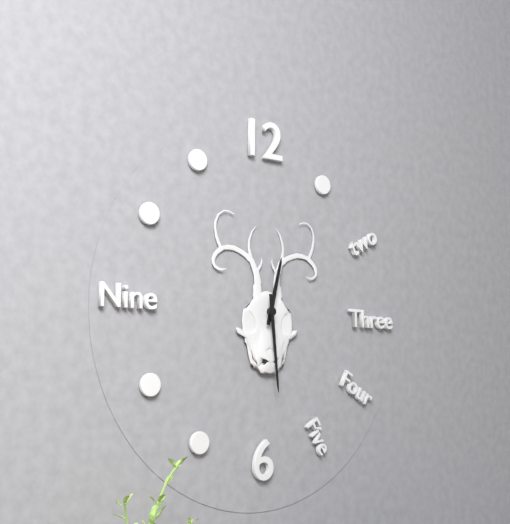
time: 12:29
